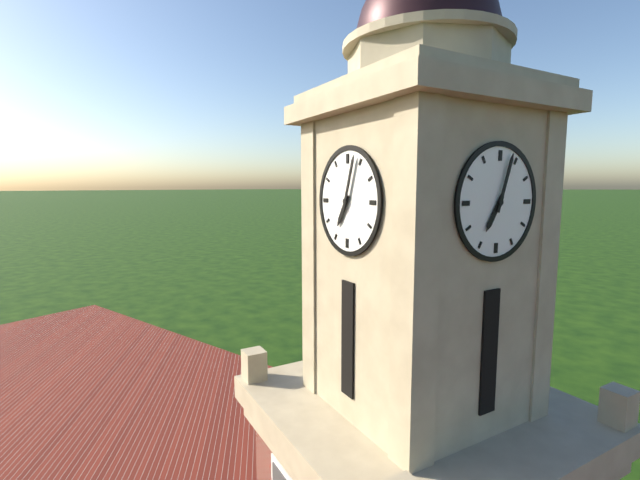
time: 7:03
